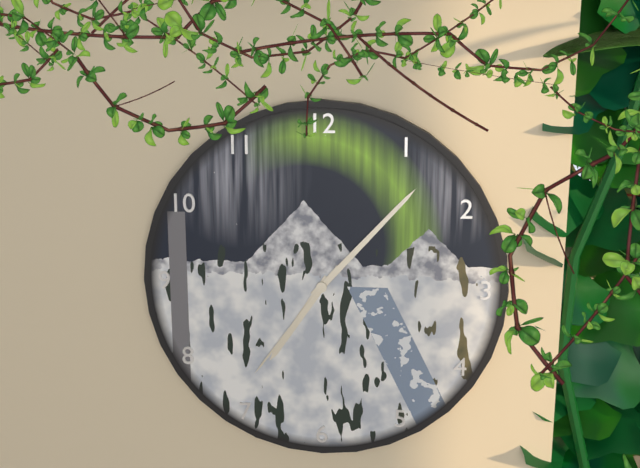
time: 7:07:36
